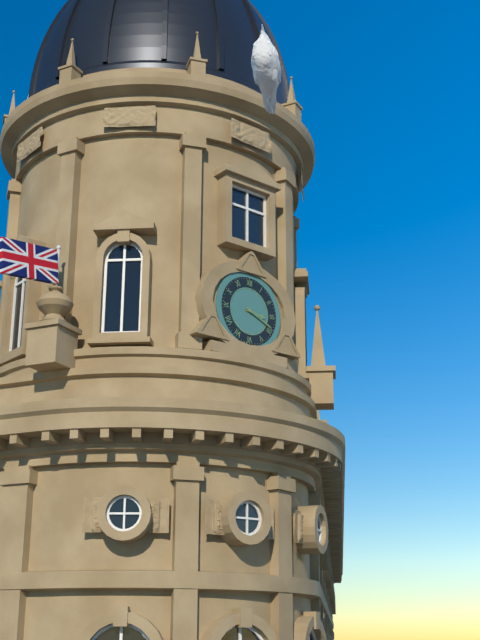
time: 3:19
